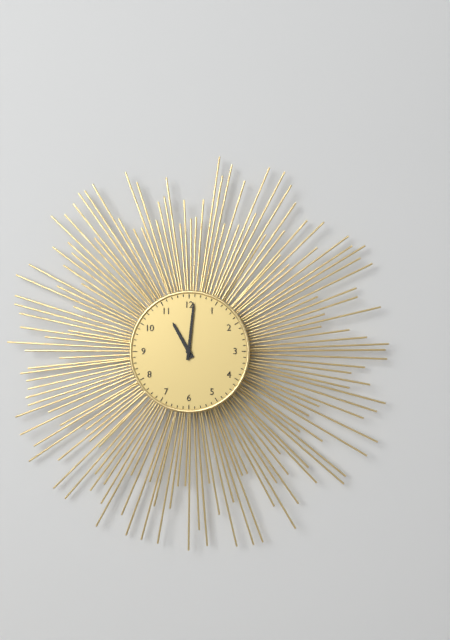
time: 11:01
